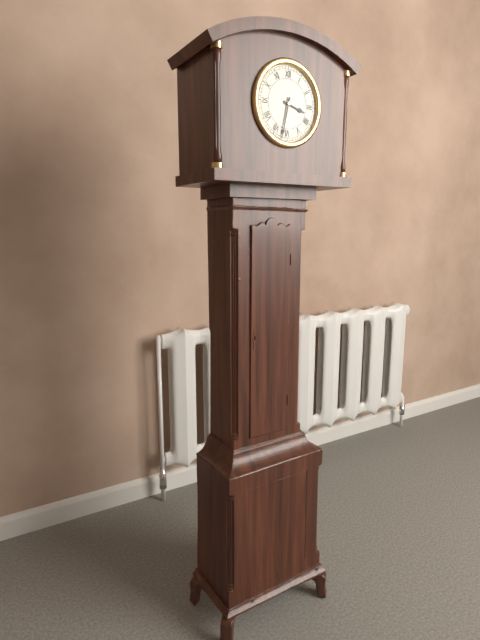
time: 3:32
